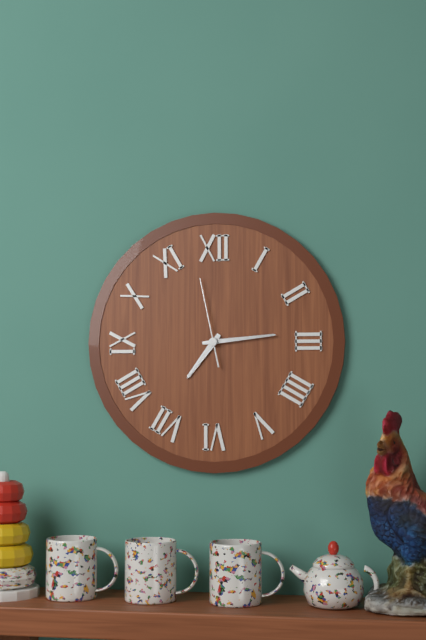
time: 7:14:58
